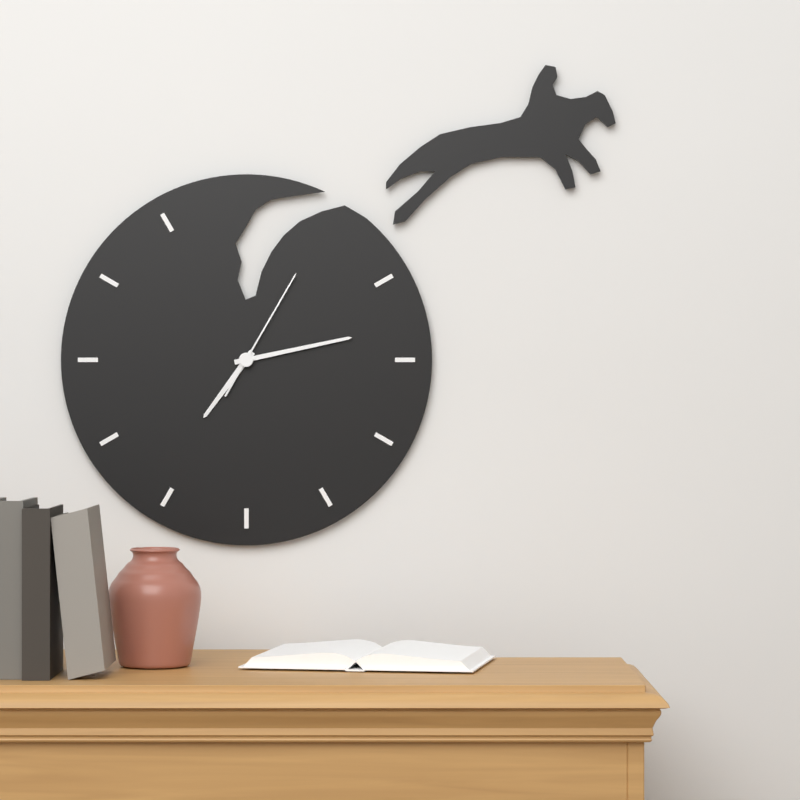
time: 7:13:05
